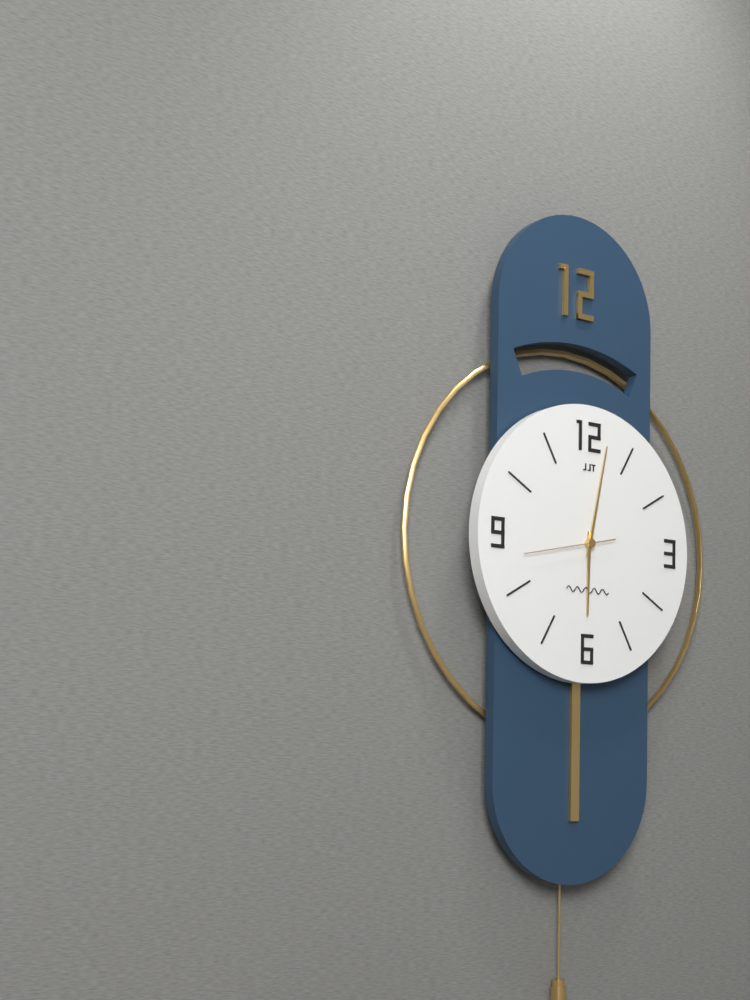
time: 6:02
